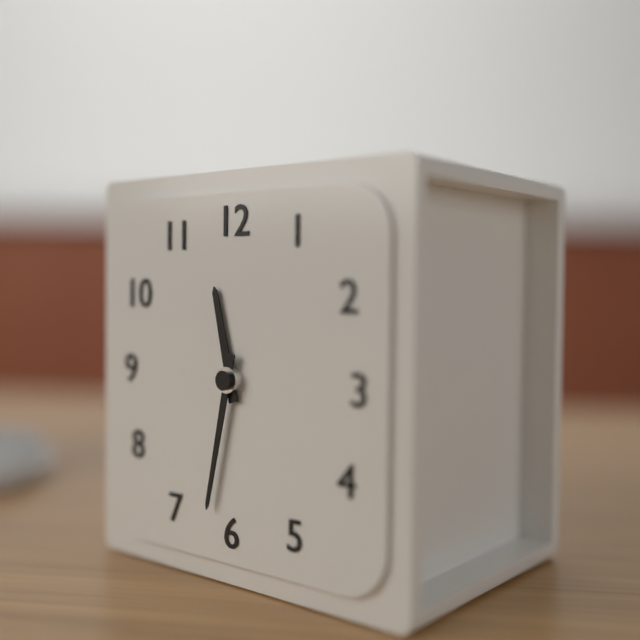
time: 11:32
